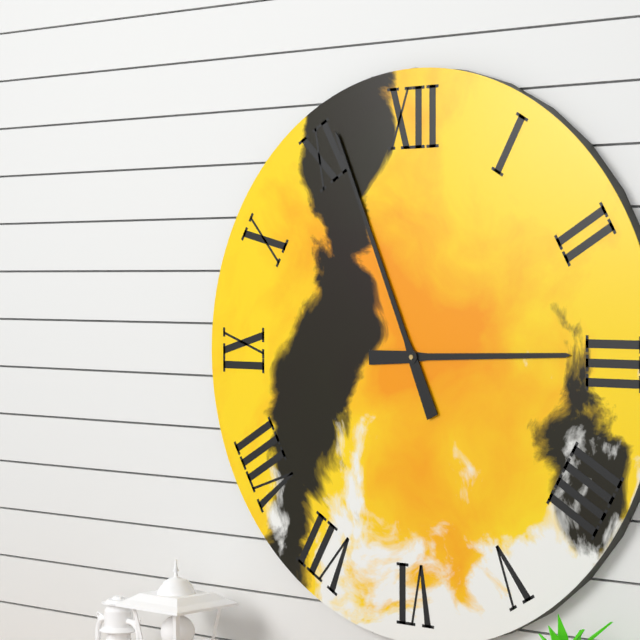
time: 2:56
